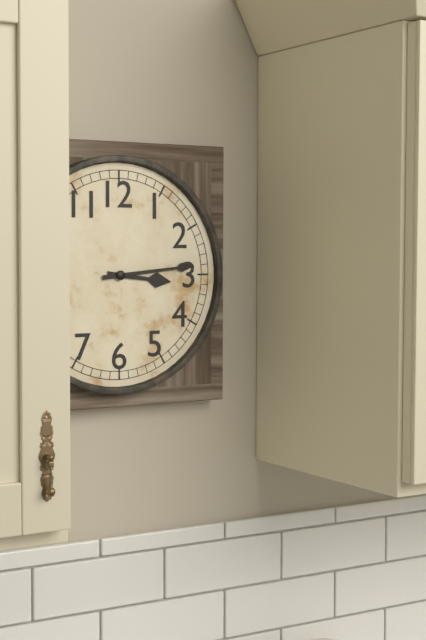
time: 3:14
